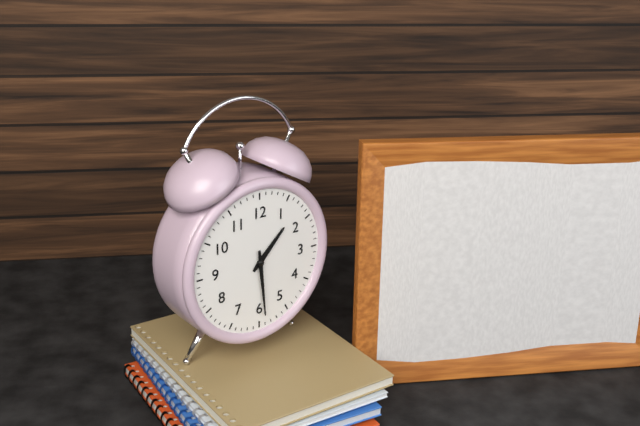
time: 1:29
